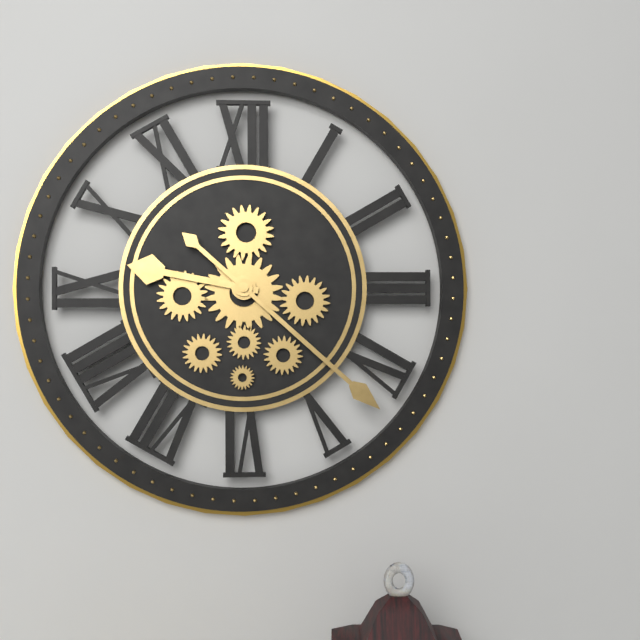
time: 9:22
